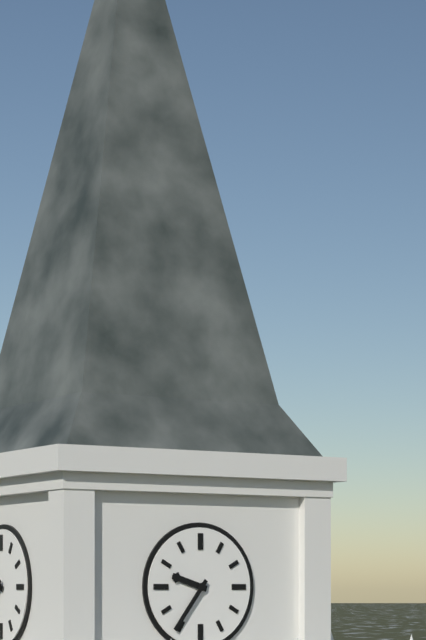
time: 9:36
